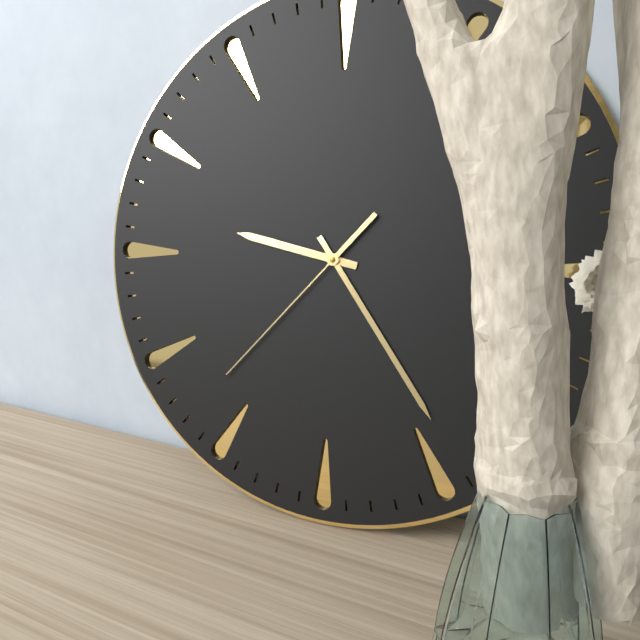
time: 9:24:37
